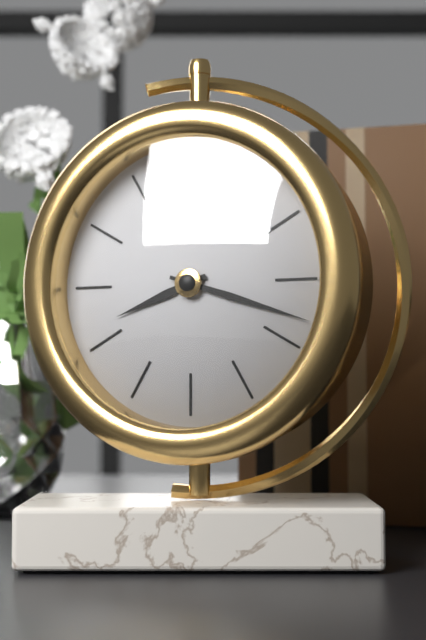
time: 8:18
